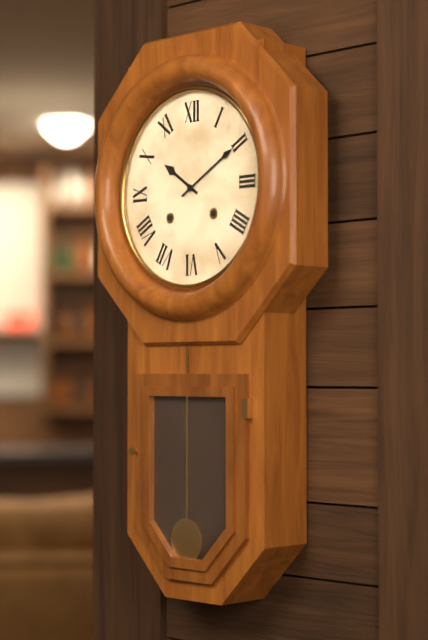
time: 10:10
